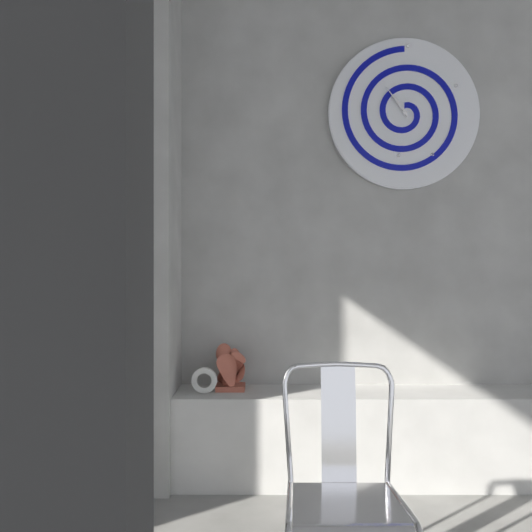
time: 10:54
